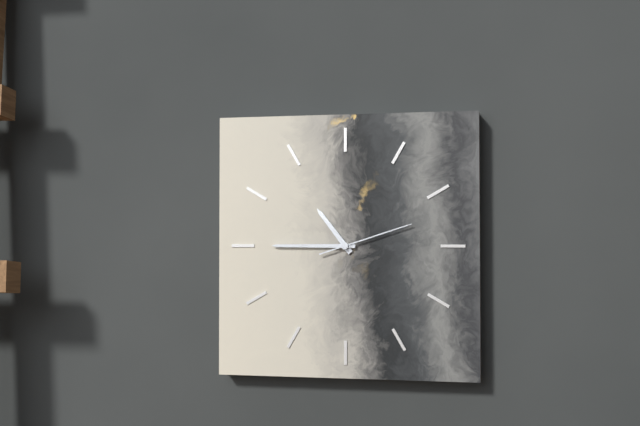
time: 10:45:12
